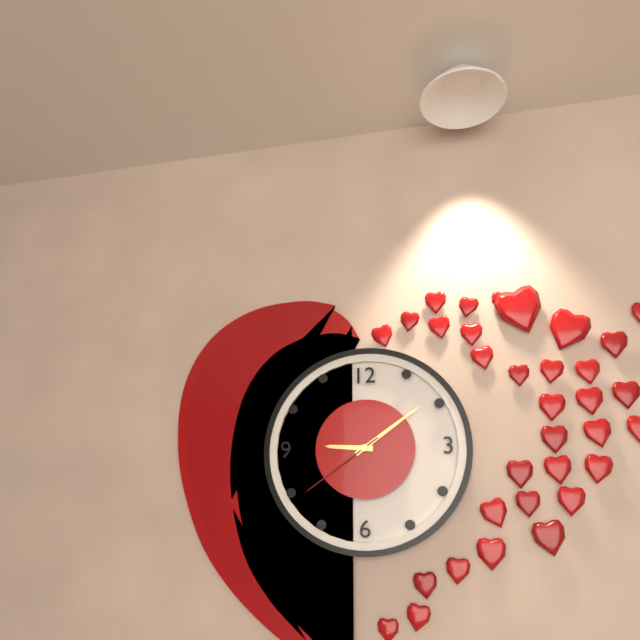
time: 9:09:39
